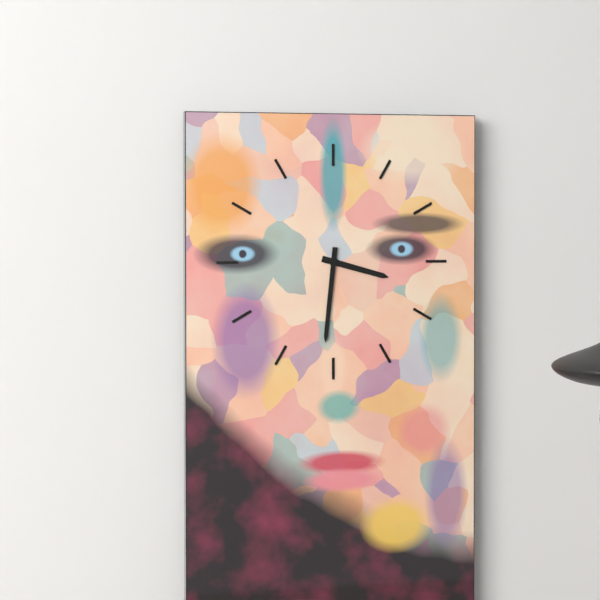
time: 3:31
